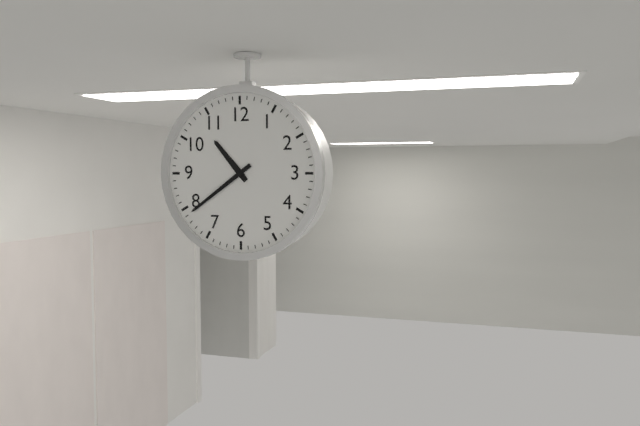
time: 10:39
